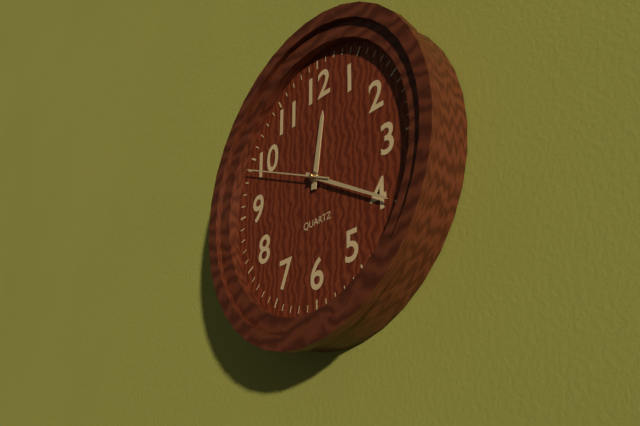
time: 12:20:49
